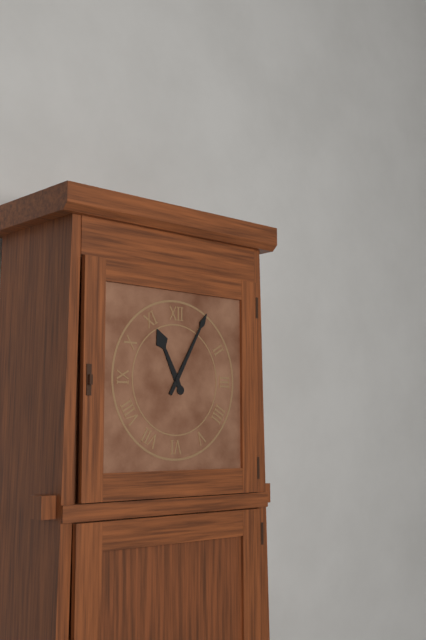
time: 11:05
